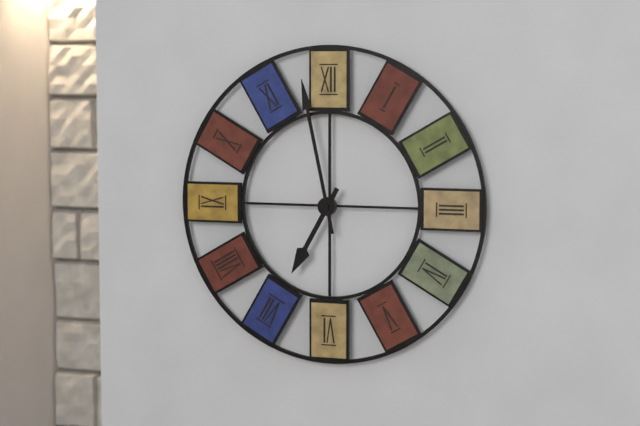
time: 6:58
